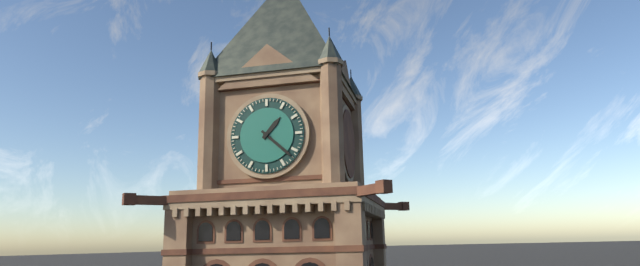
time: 1:22
